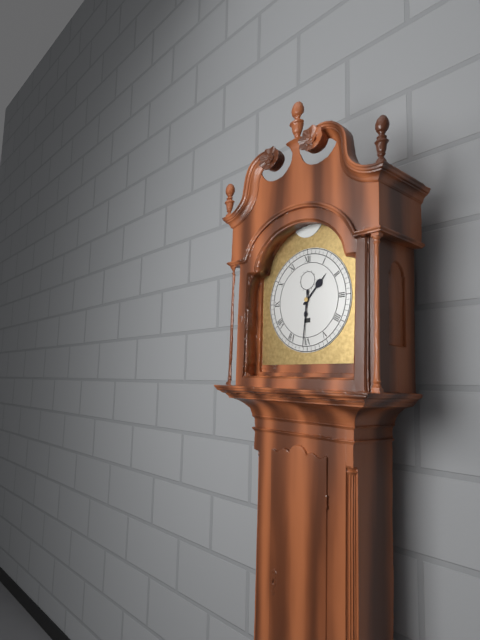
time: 1:31
